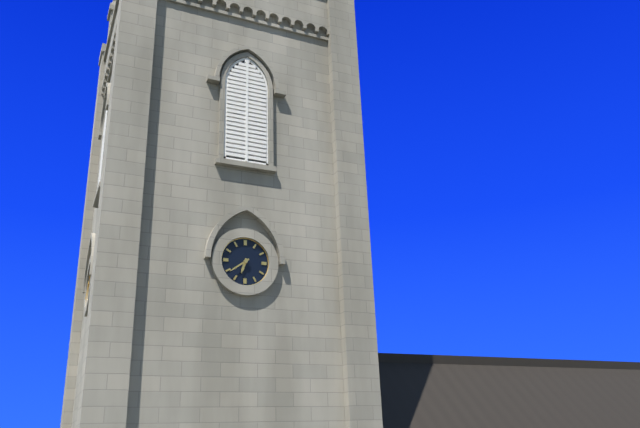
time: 6:39
